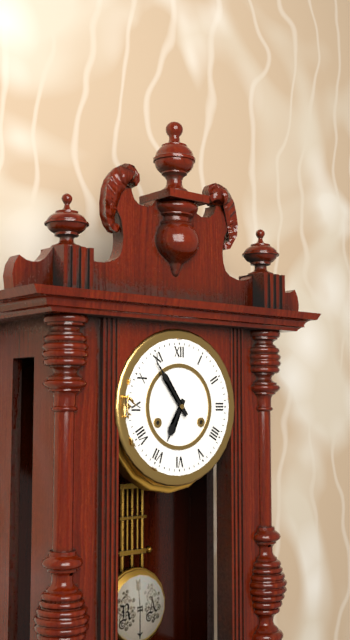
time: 6:54
